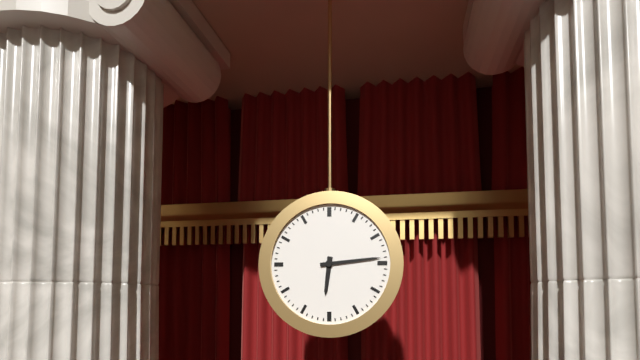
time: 6:14
